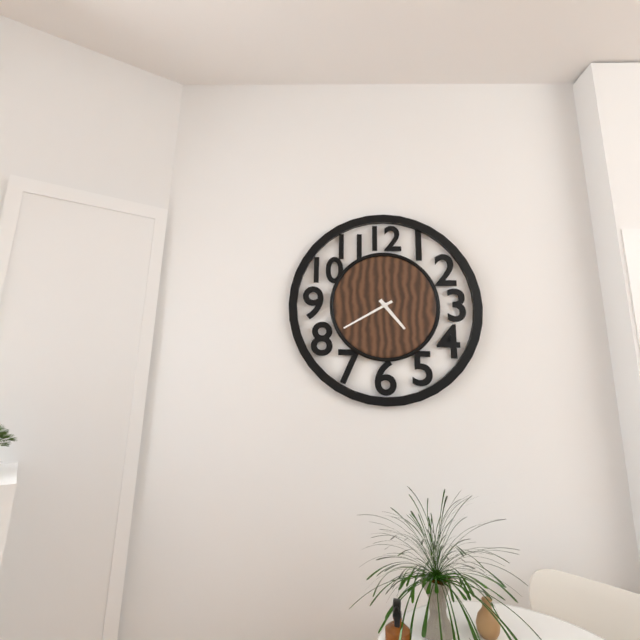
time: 4:40
